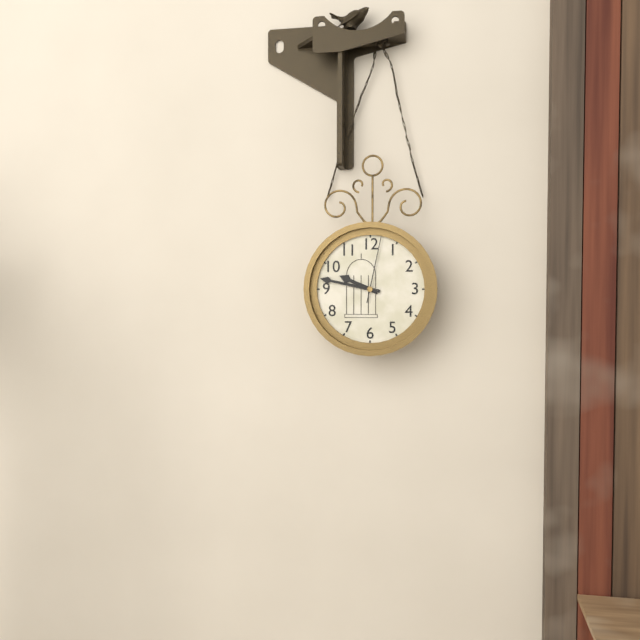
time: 9:47:02
